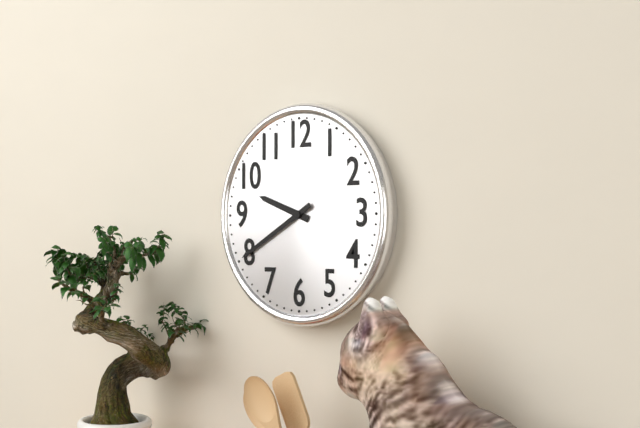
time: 9:40
